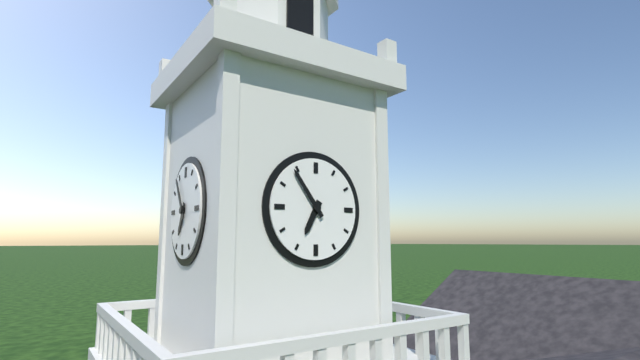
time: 6:54
